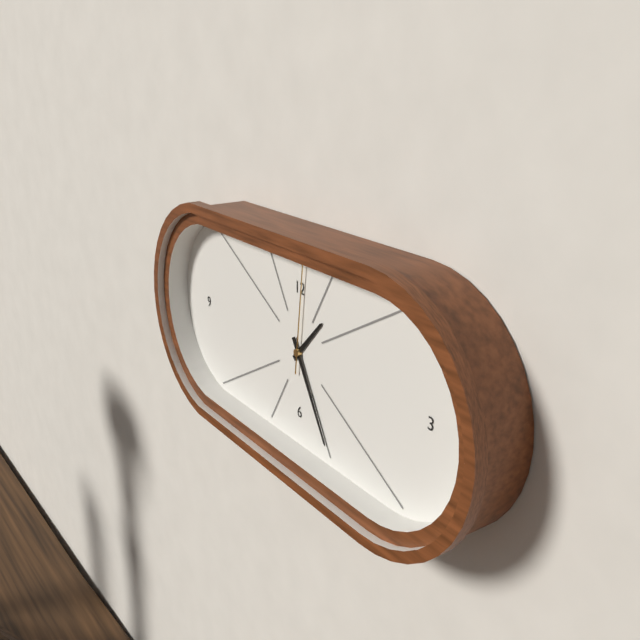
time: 1:25:01
